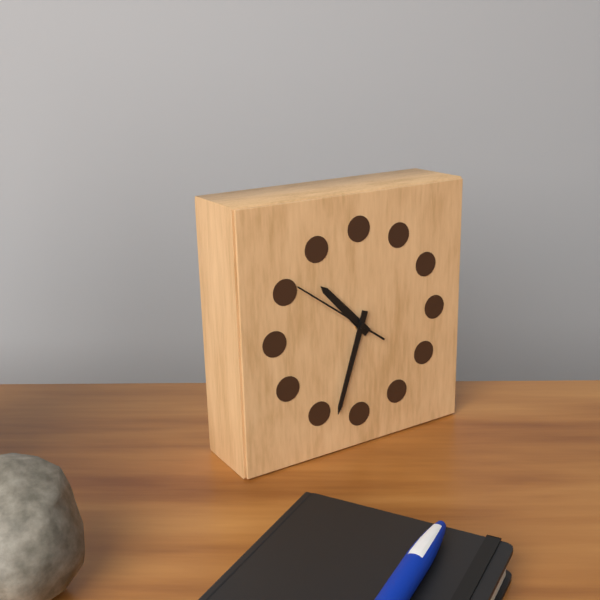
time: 10:33:51
